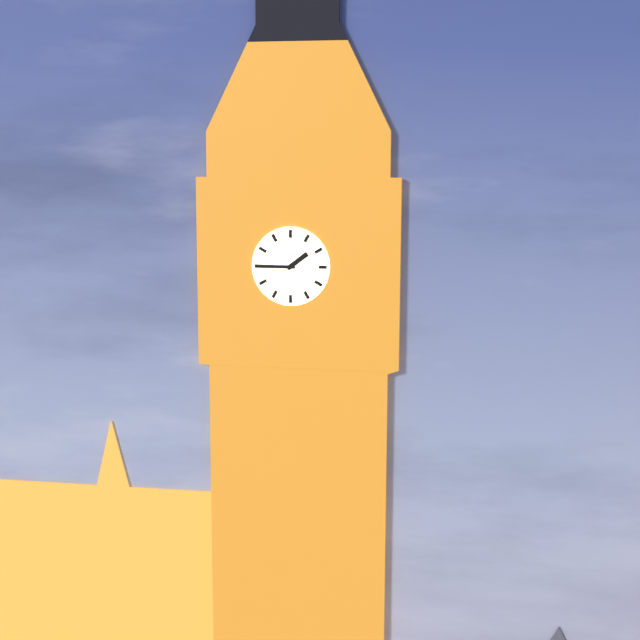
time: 1:45
